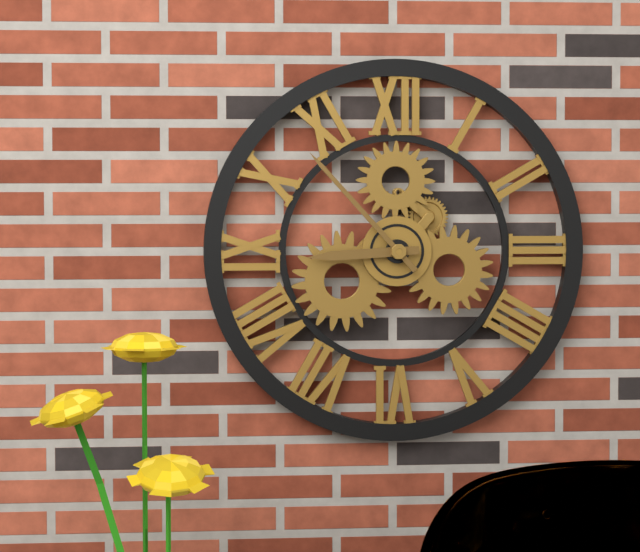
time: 8:53
